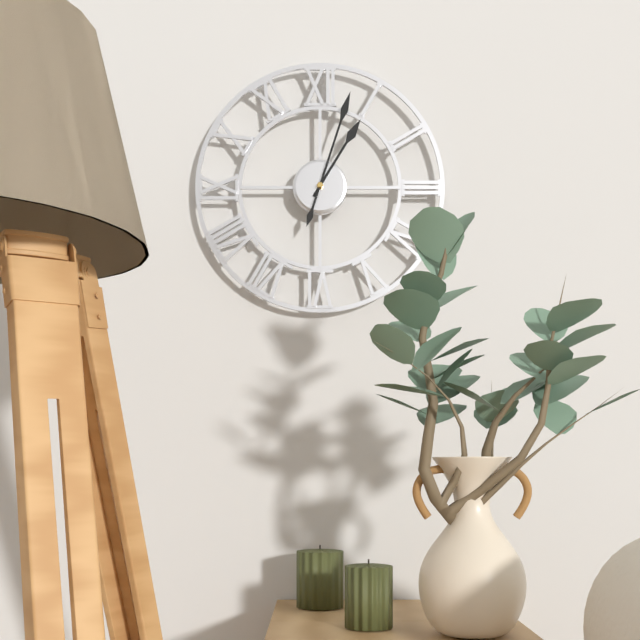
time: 1:03
